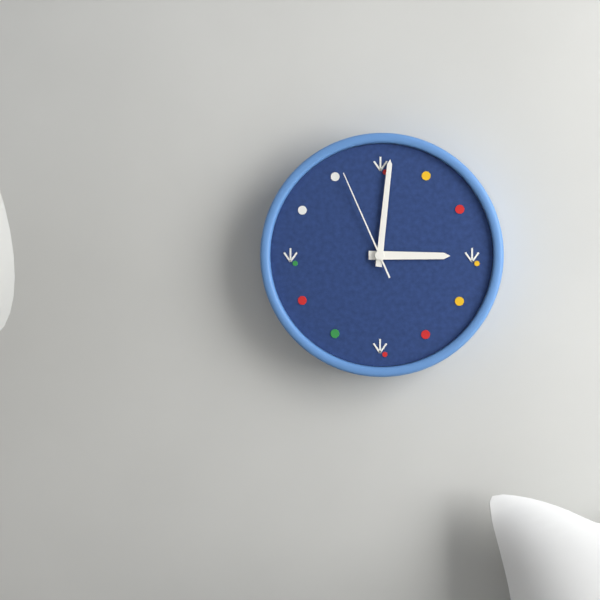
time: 3:01:56
